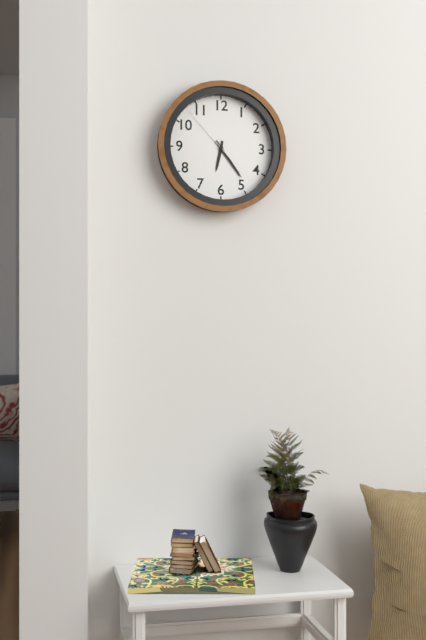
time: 6:24:53
